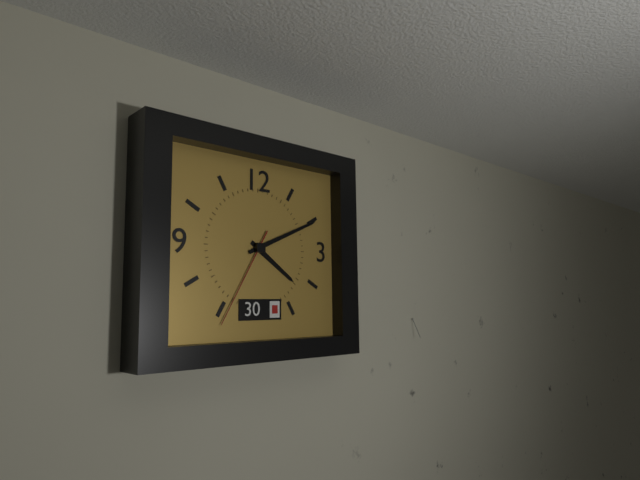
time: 4:11:35
